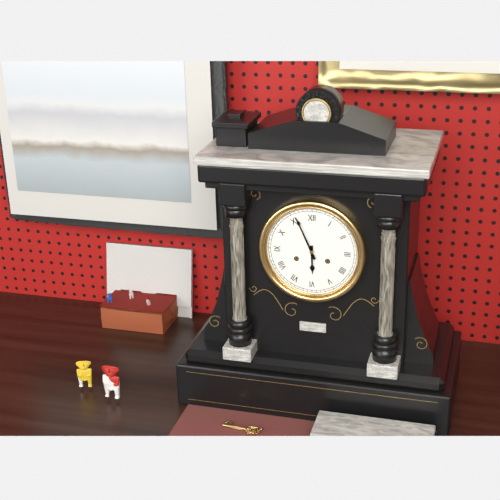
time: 5:56
